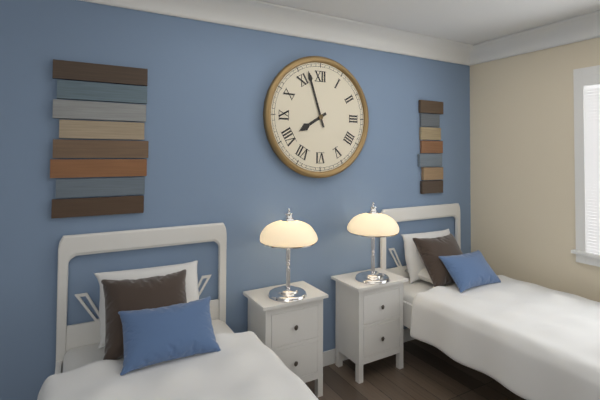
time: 7:57
